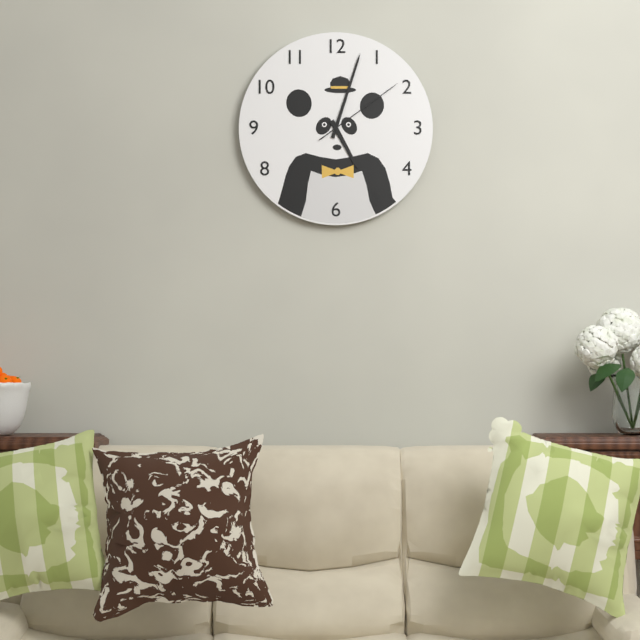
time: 5:03:09
